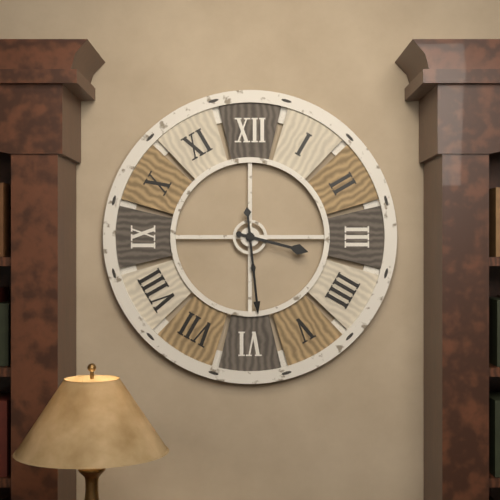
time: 3:29
